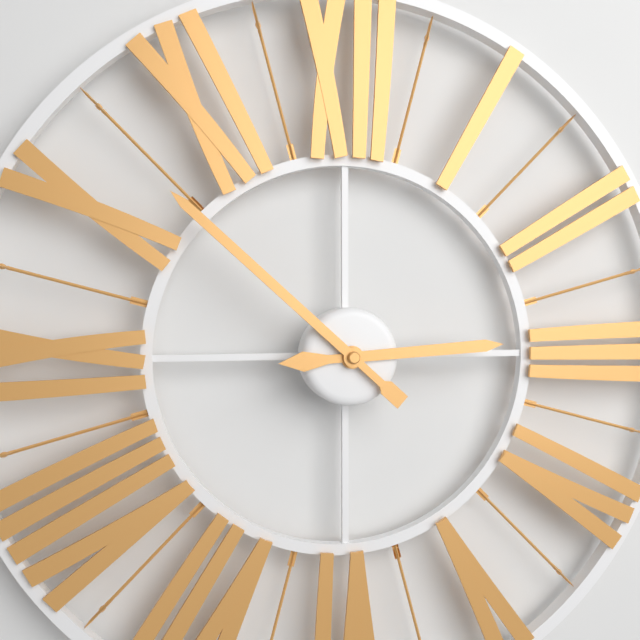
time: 2:52
